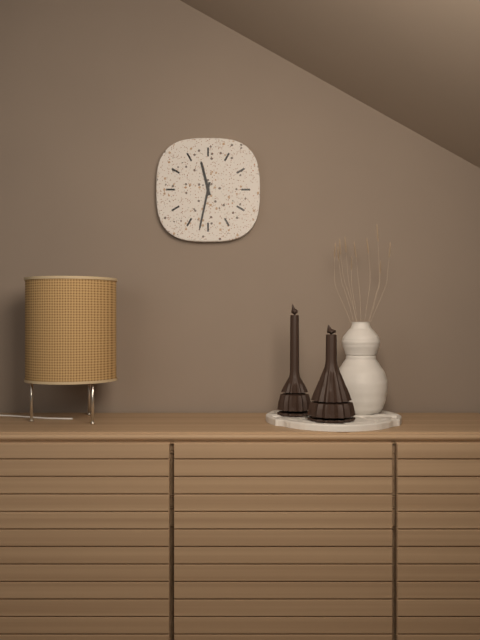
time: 11:32
